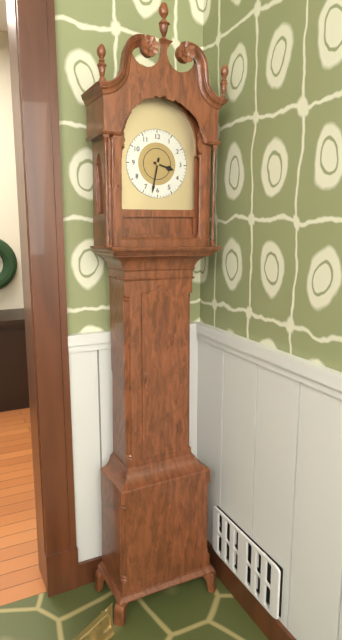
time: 3:32
